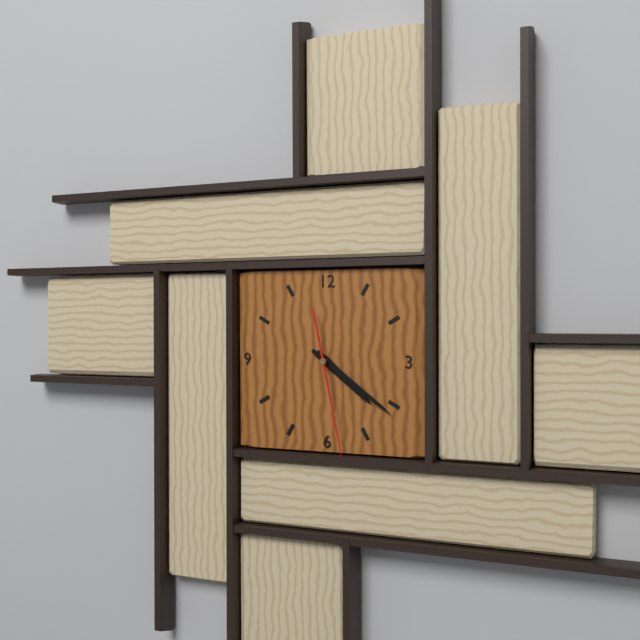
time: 4:21:28
